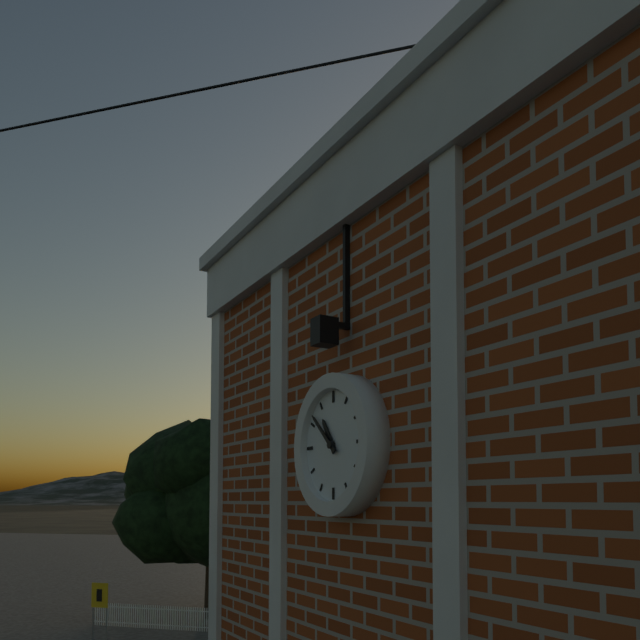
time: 10:52
